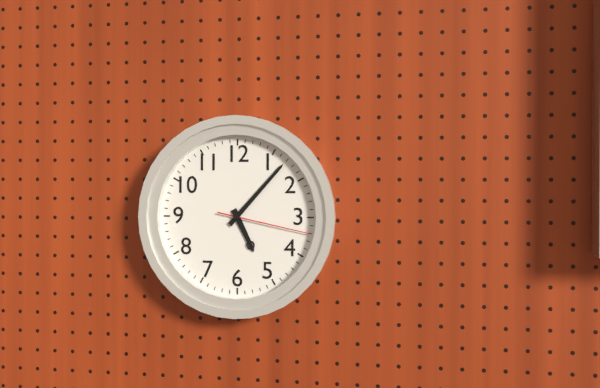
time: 5:07:17
